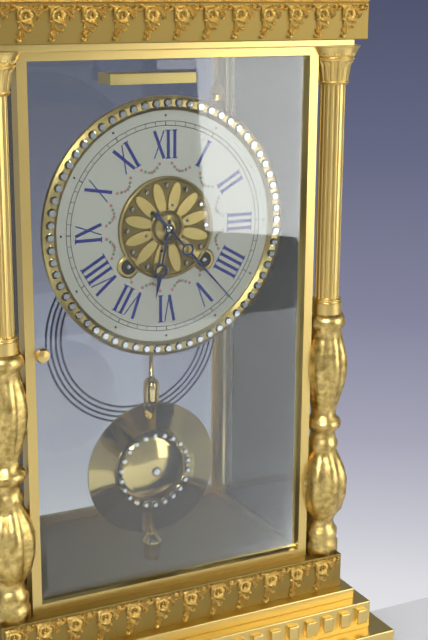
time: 6:23
